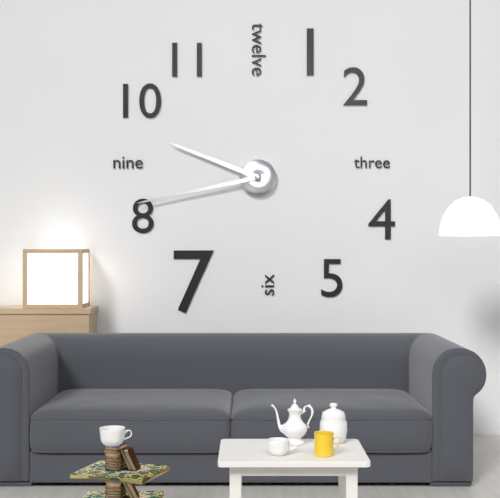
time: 9:43
